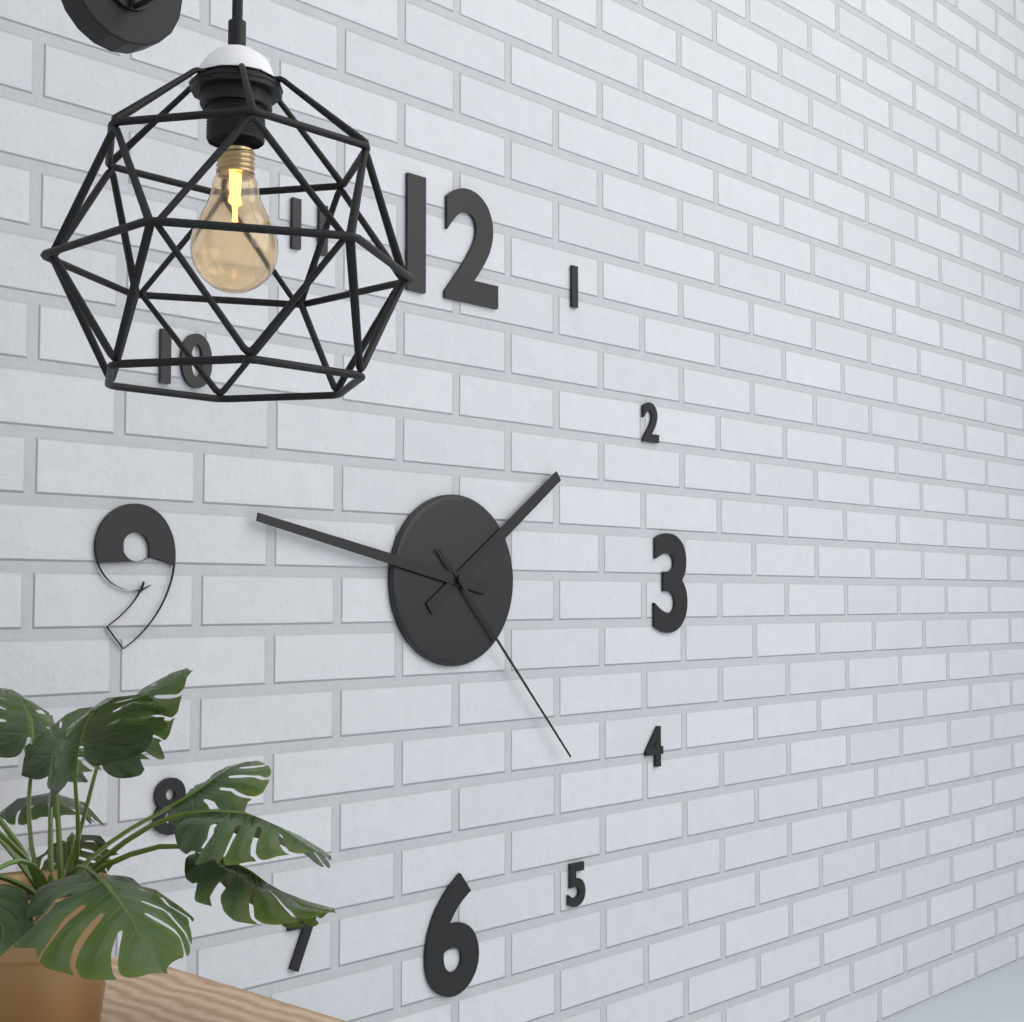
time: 1:47:23
